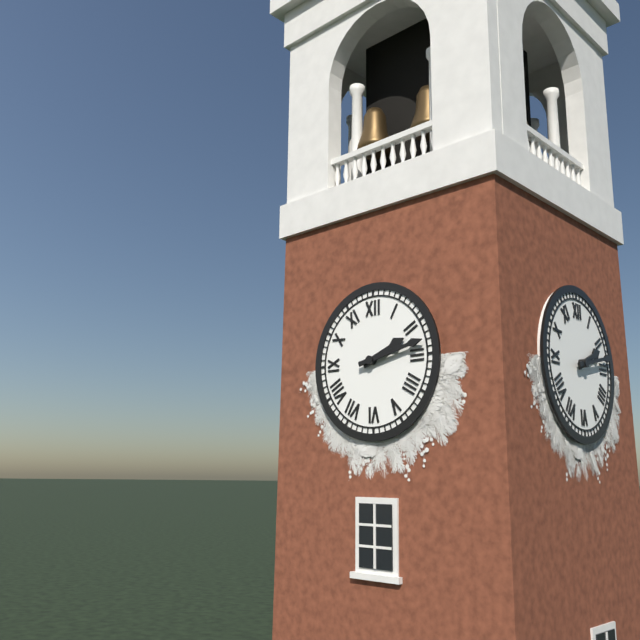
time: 2:13
